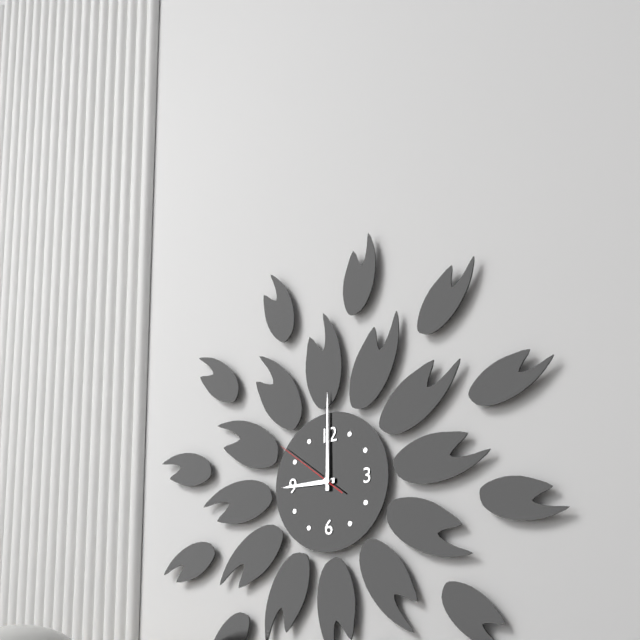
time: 9:00:51
